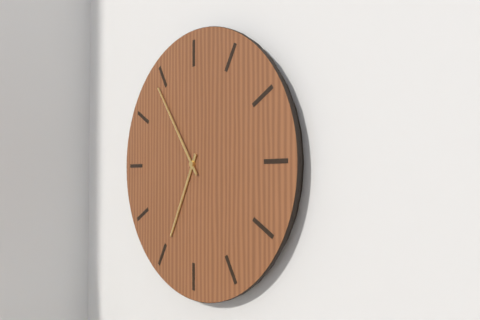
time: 6:54
